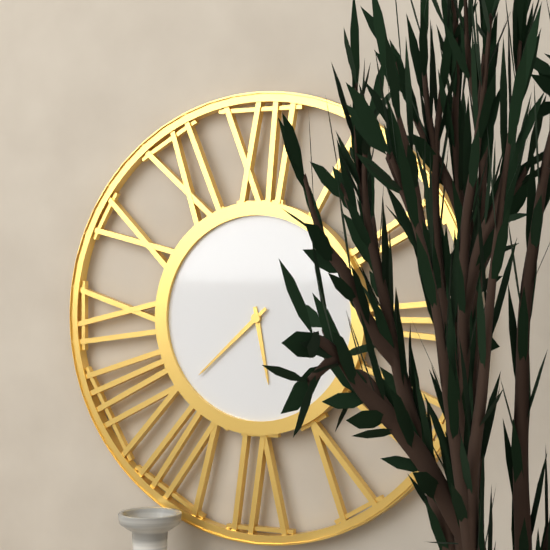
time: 5:38
